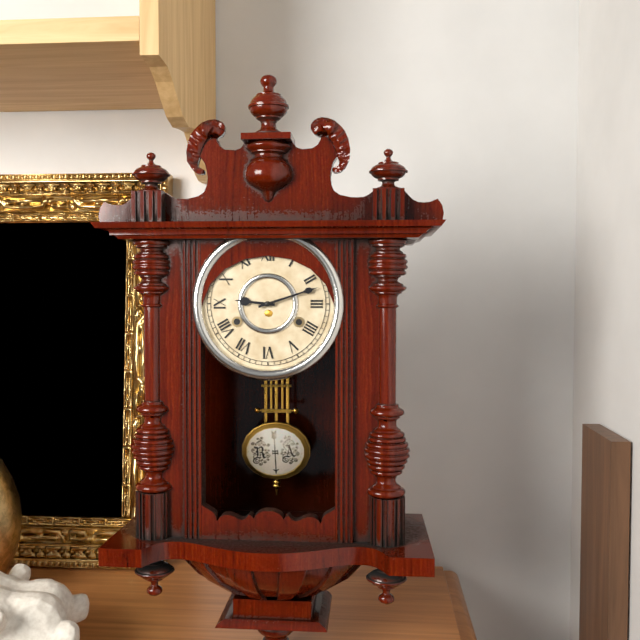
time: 9:12
